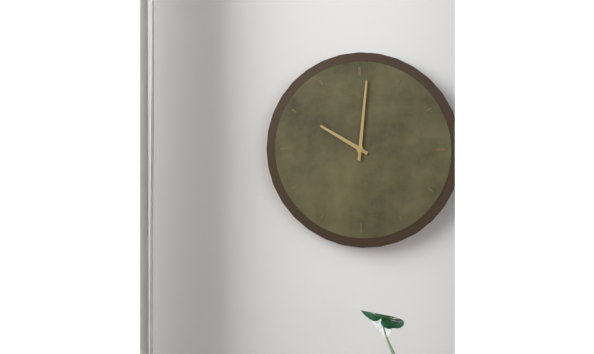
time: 10:01
